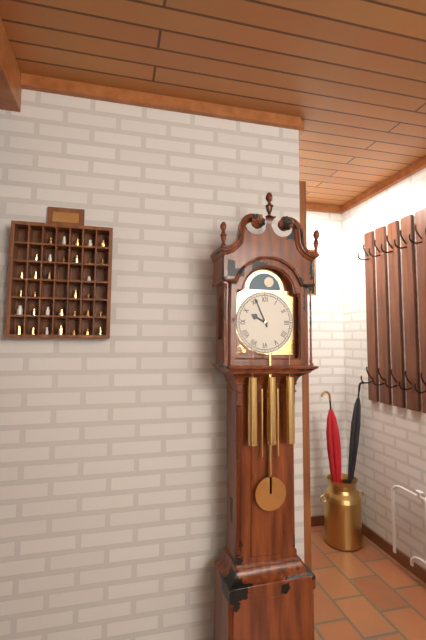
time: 9:56
